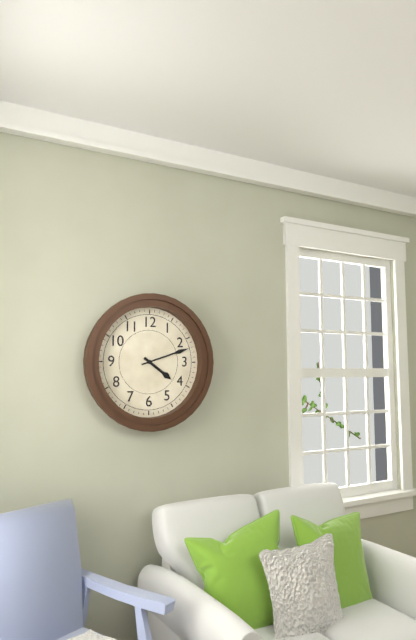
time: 4:12
